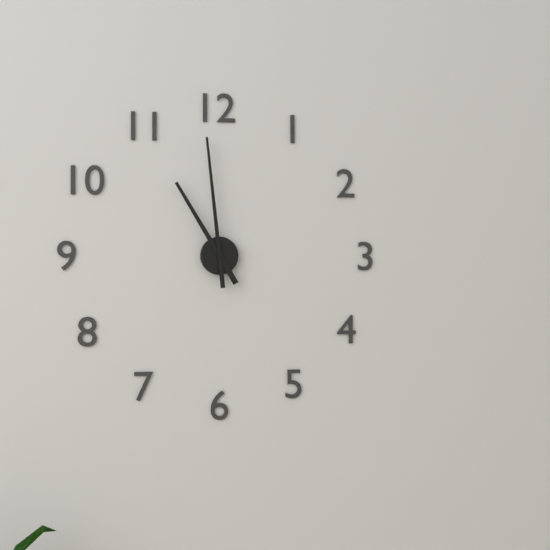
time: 10:59
